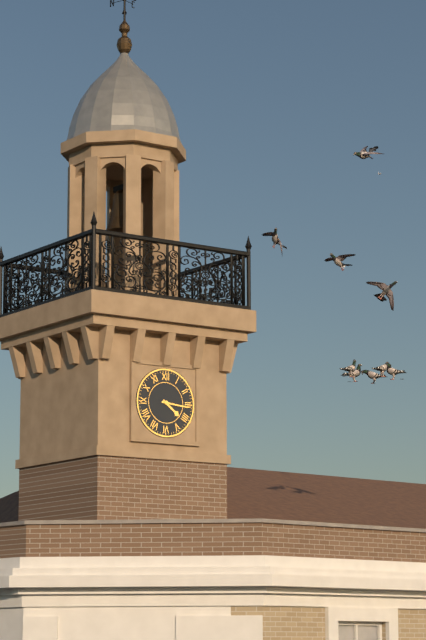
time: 4:16
